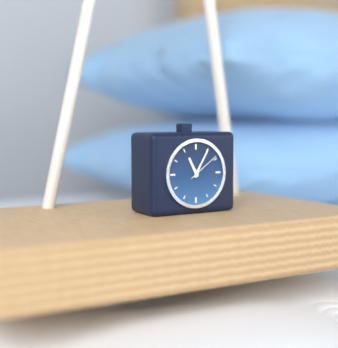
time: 11:05
